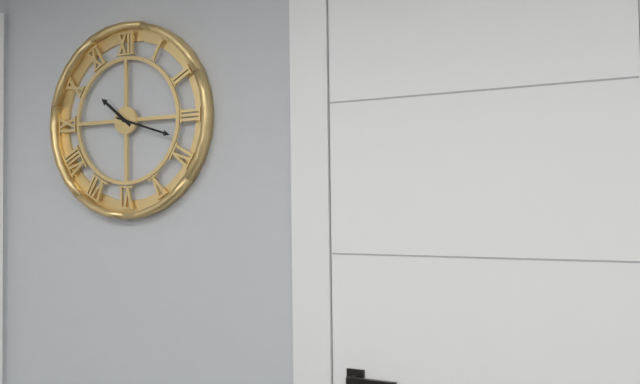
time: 10:18
